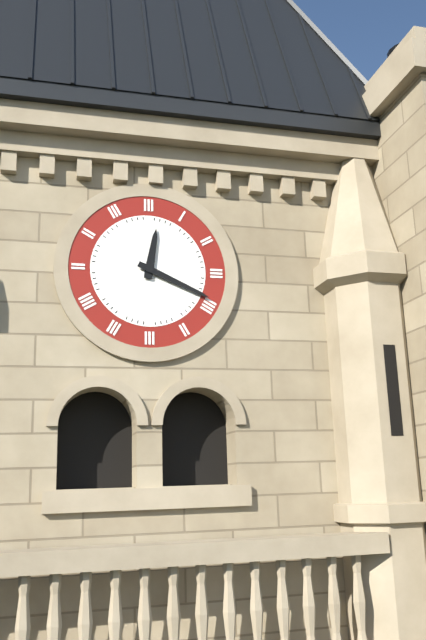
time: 12:19
